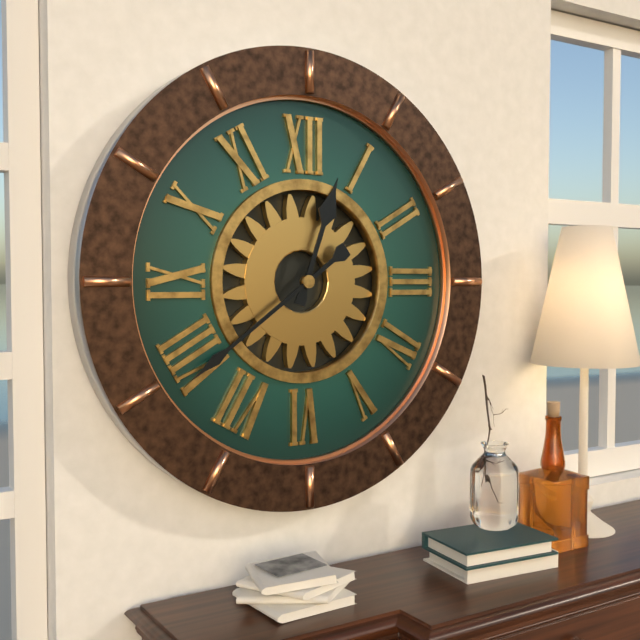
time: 12:39
